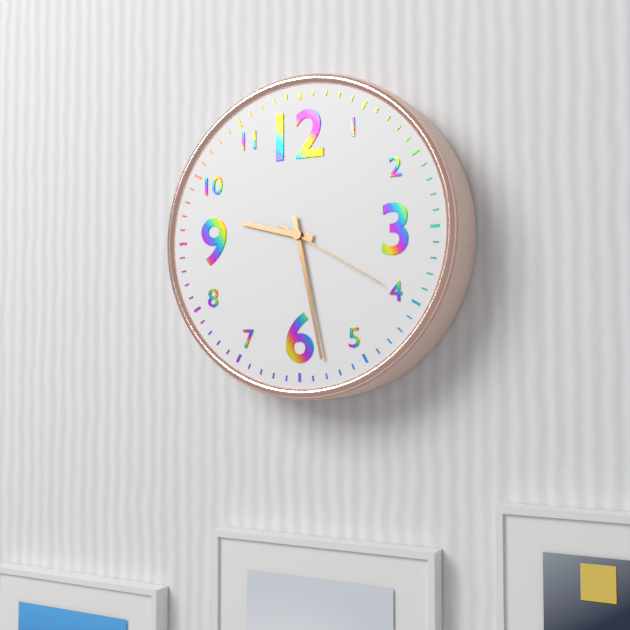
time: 9:28:20
